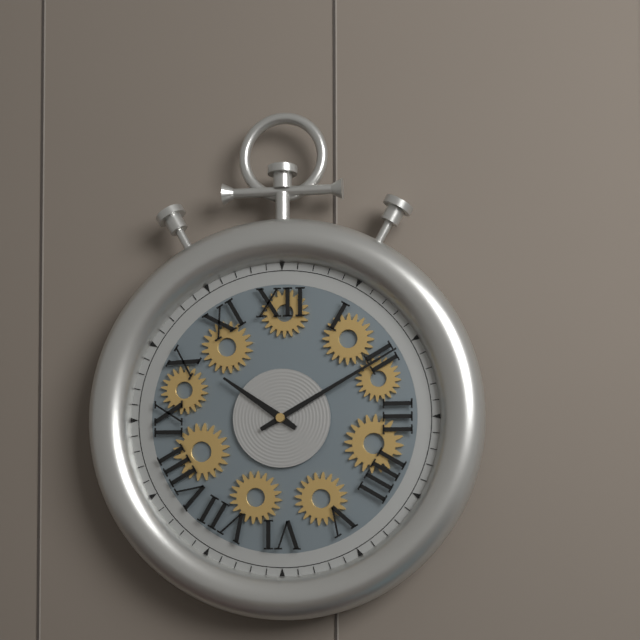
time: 10:10
